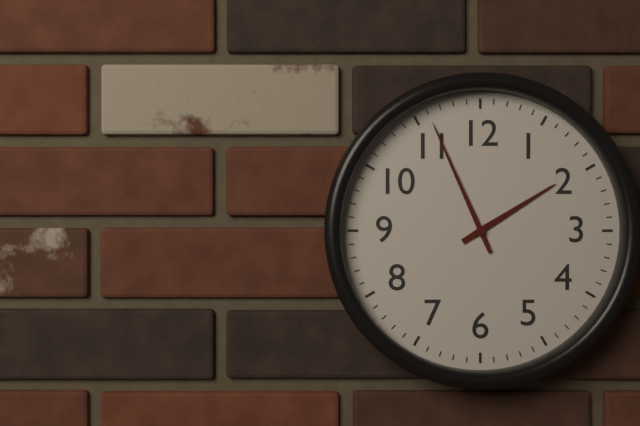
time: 1:56
